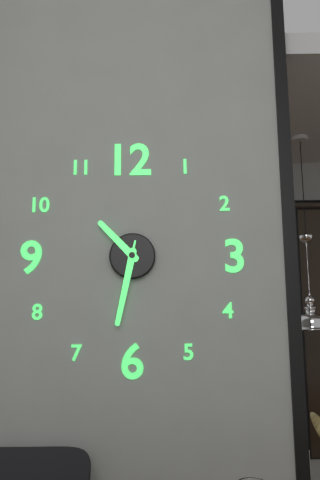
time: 10:32:32
